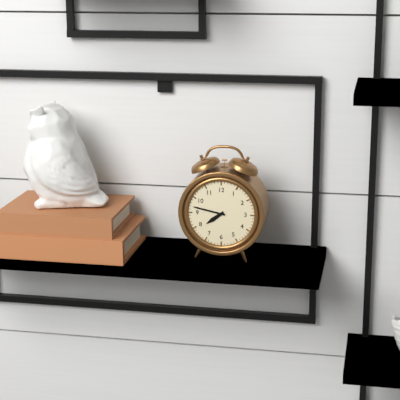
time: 7:47
